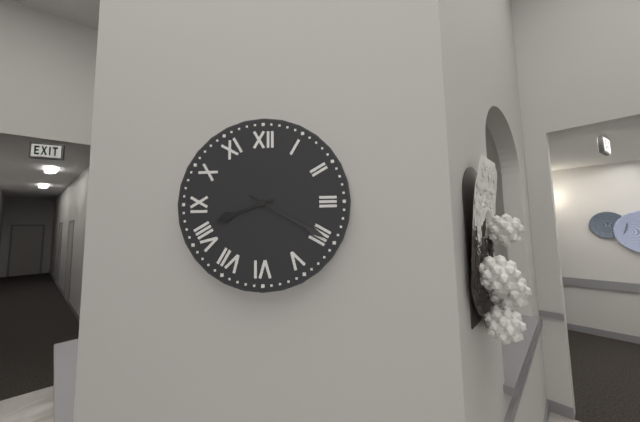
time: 8:20
